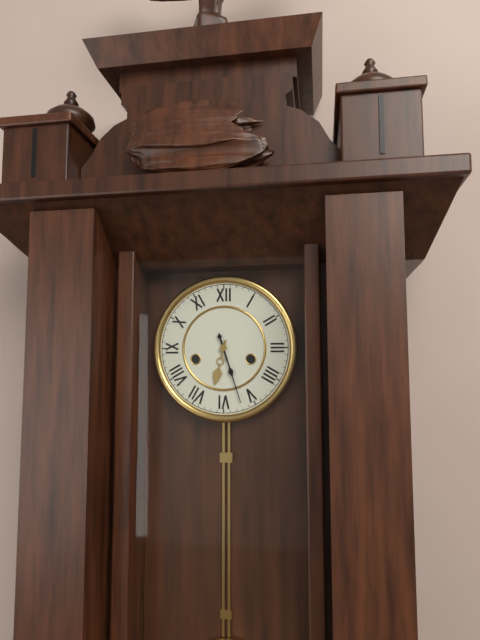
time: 6:27
